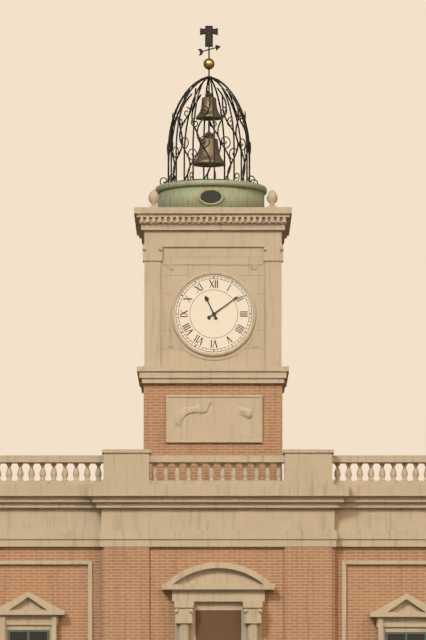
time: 11:09
